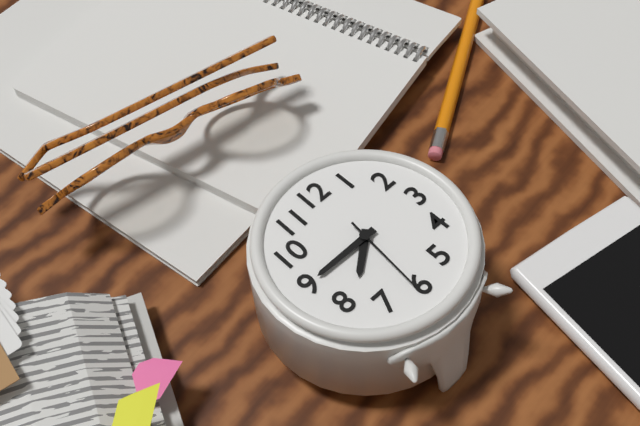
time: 7:45:31
